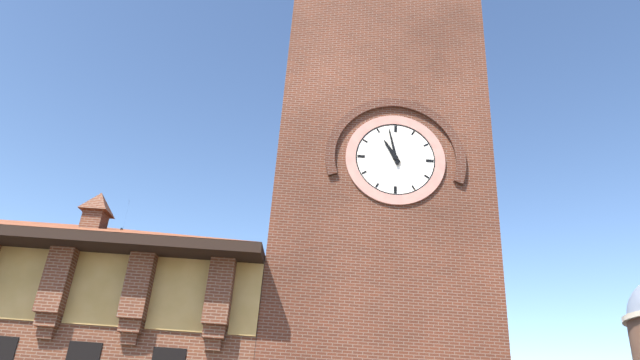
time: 10:58
